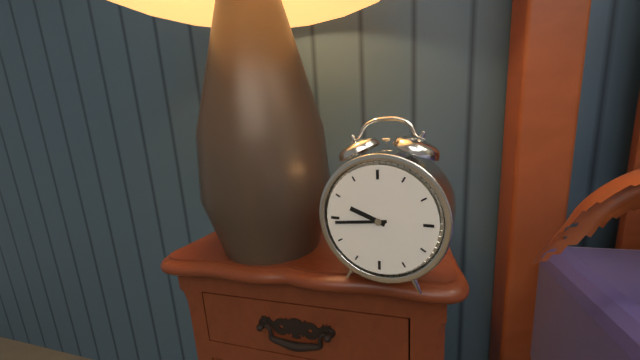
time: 9:44
